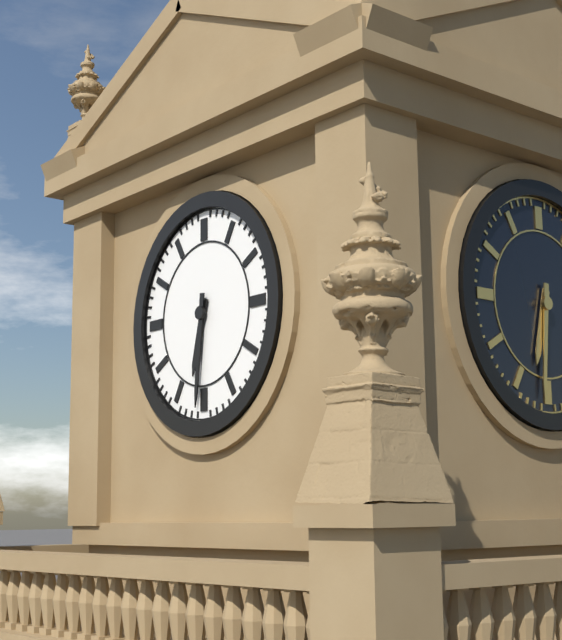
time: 6:31
